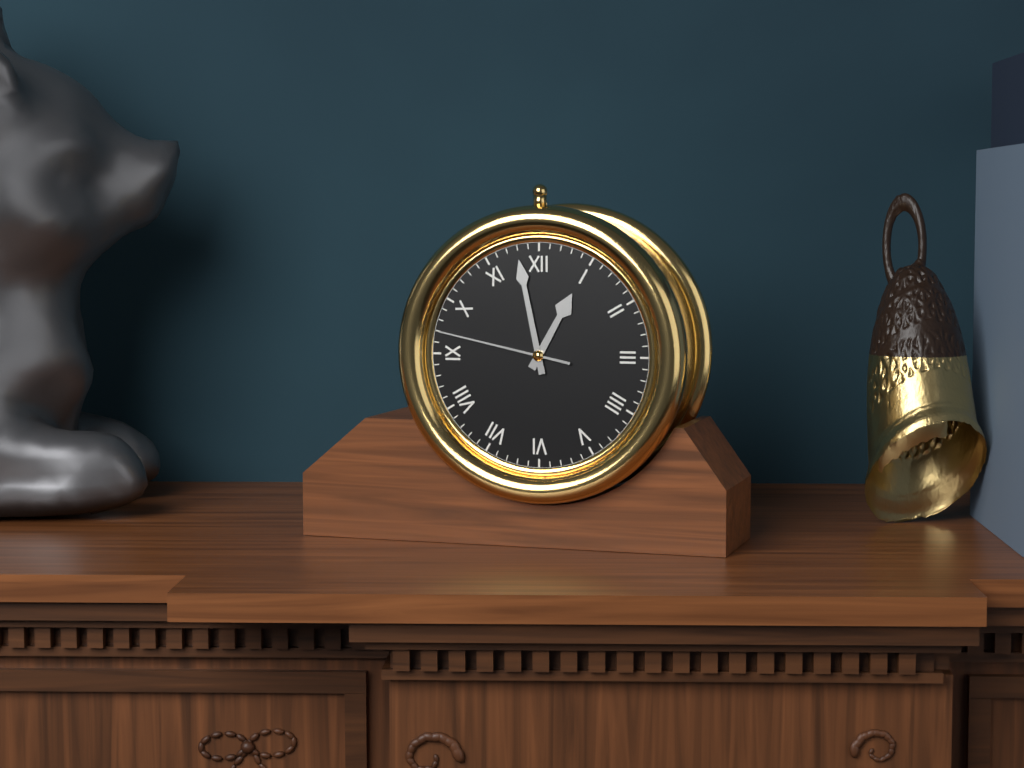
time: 12:58:47
